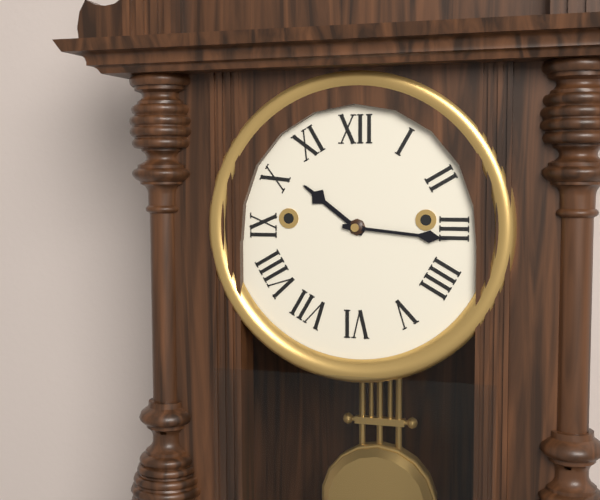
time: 10:16
